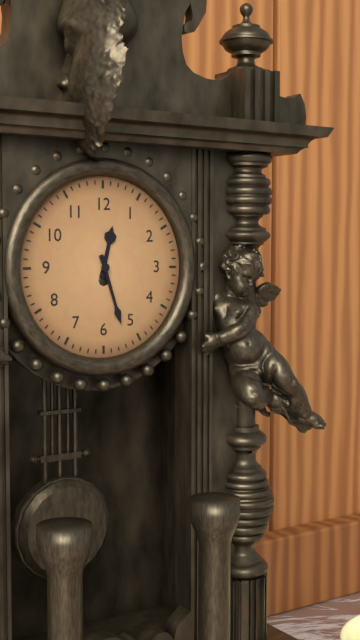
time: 12:27
